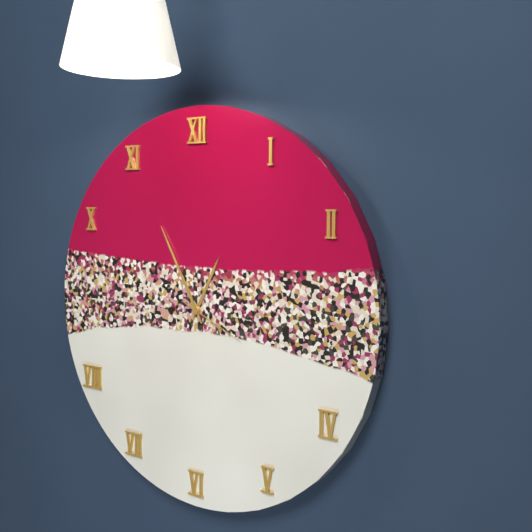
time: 12:55:19
